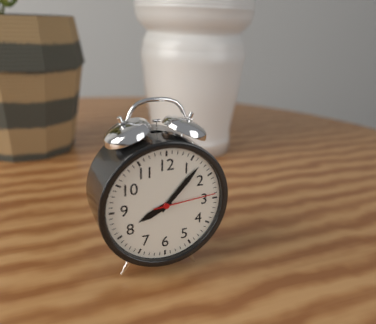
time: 8:07:14
